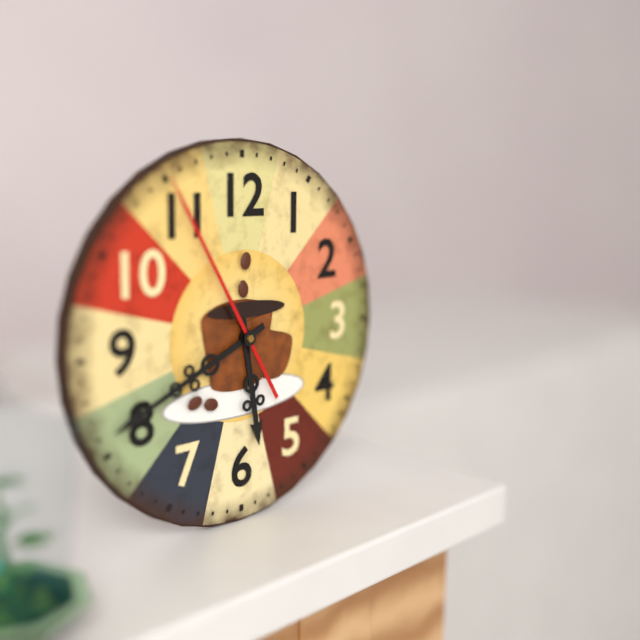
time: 5:41:55
